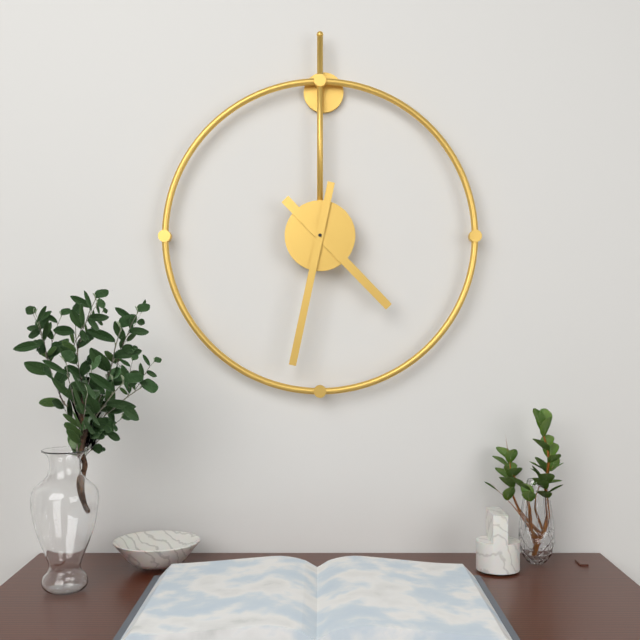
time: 4:32
